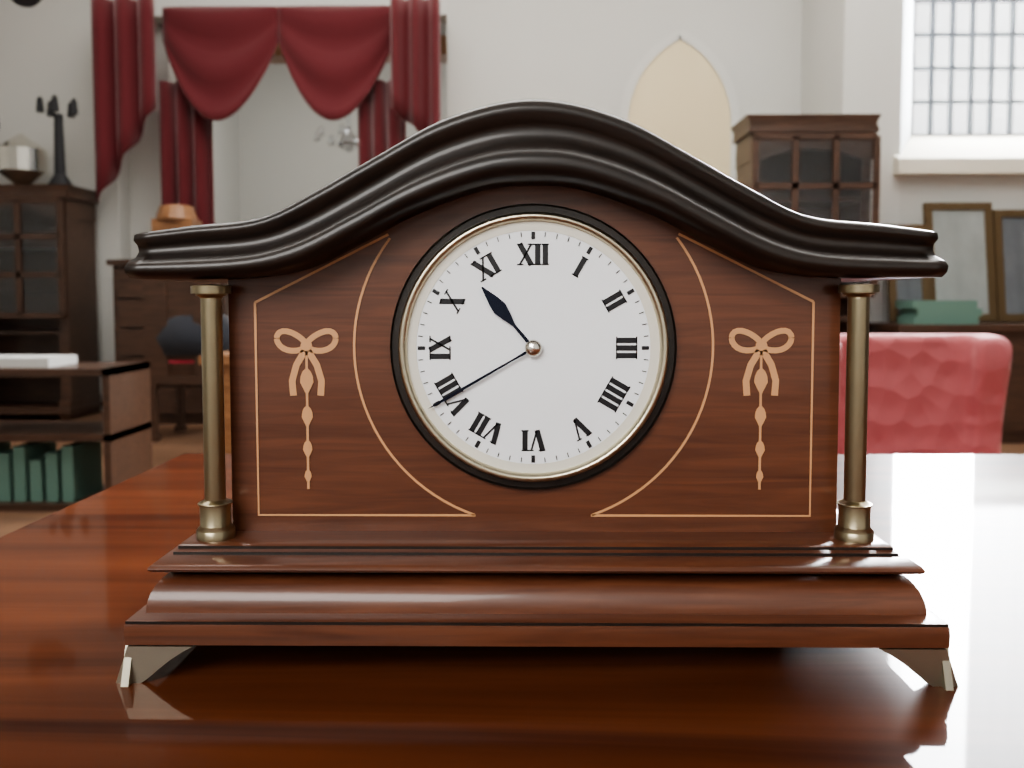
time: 10:40
